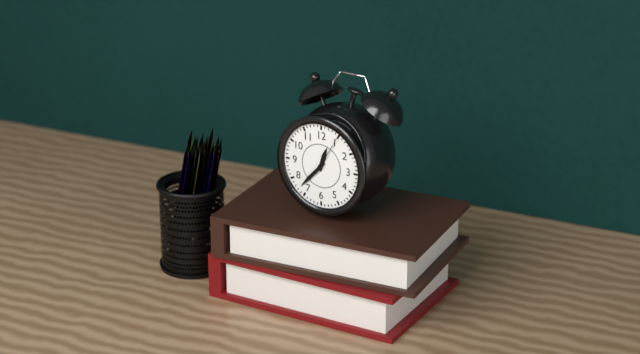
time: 12:37
